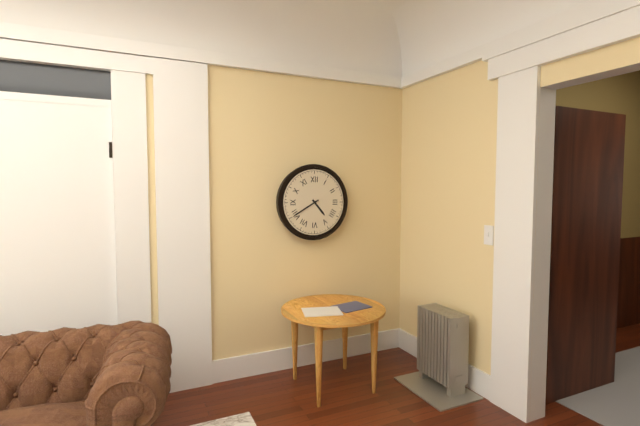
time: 4:40
